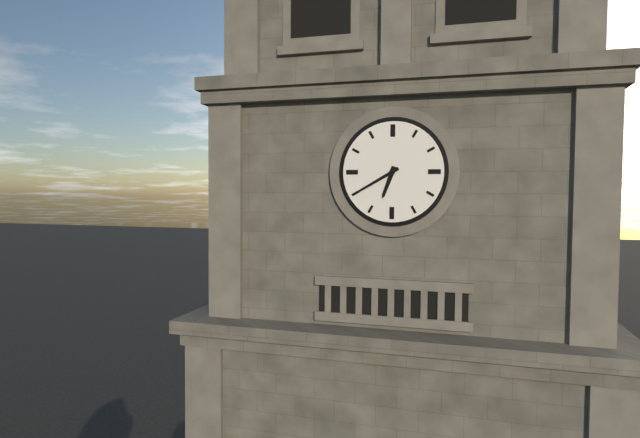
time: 6:40
